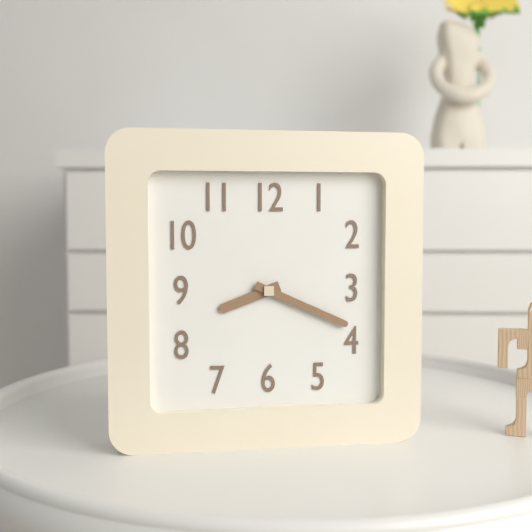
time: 8:19
